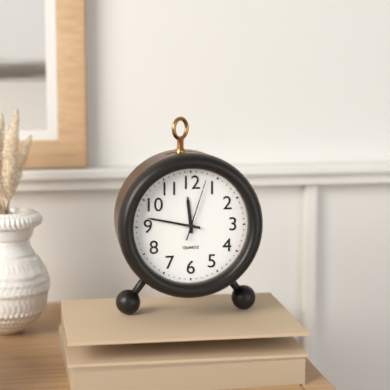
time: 11:47:03
